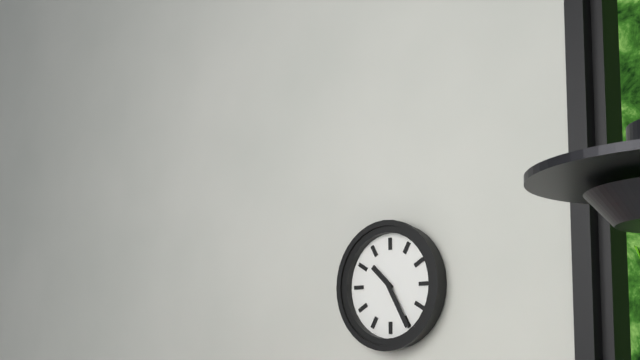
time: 10:25
